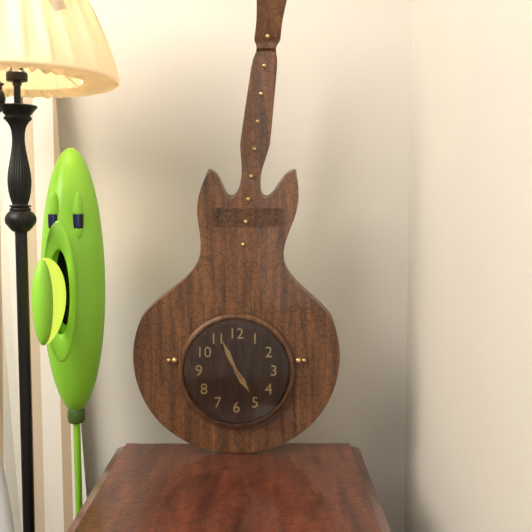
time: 4:56
